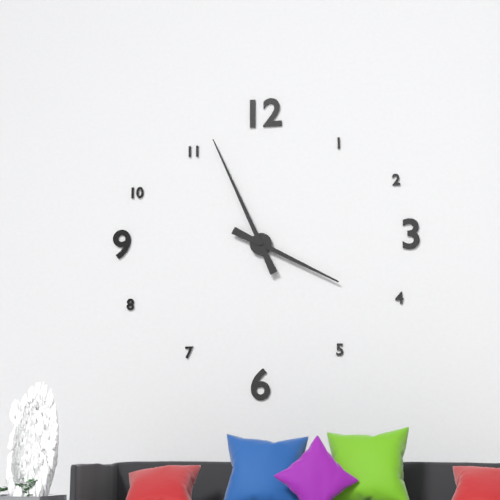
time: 3:56
